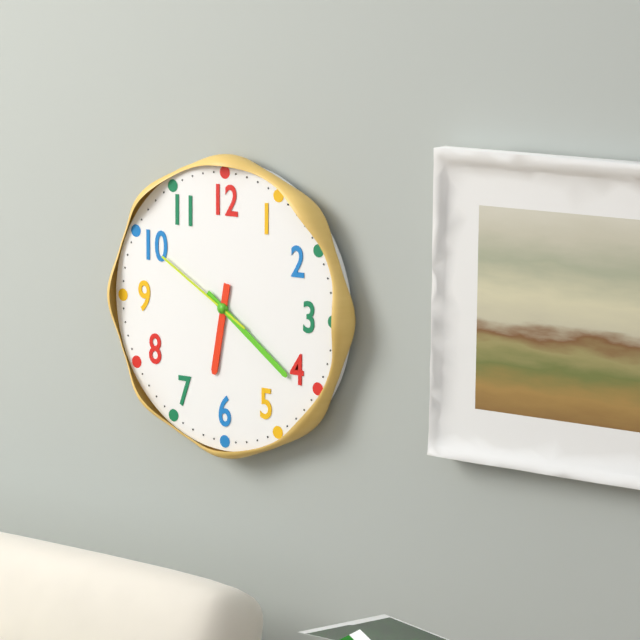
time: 6:21:50
